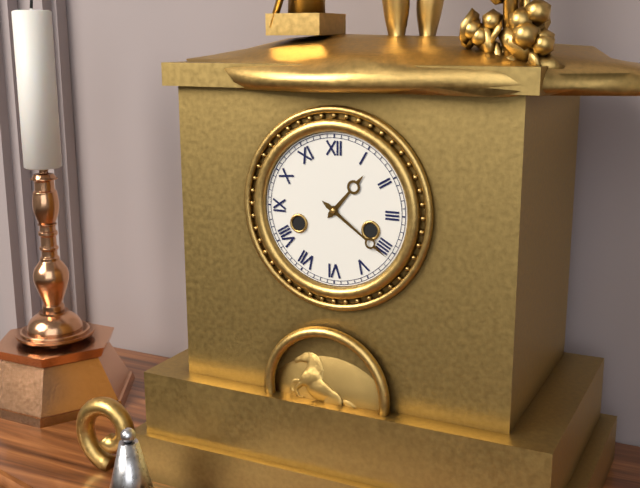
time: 1:21
